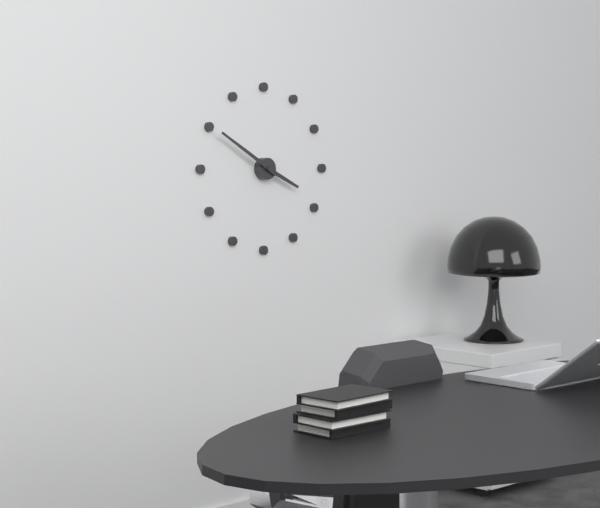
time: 3:50
